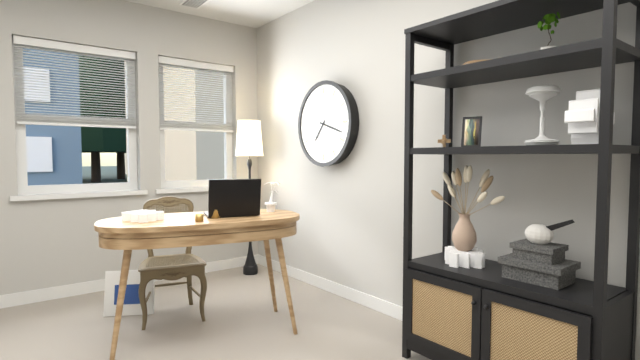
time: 7:18
